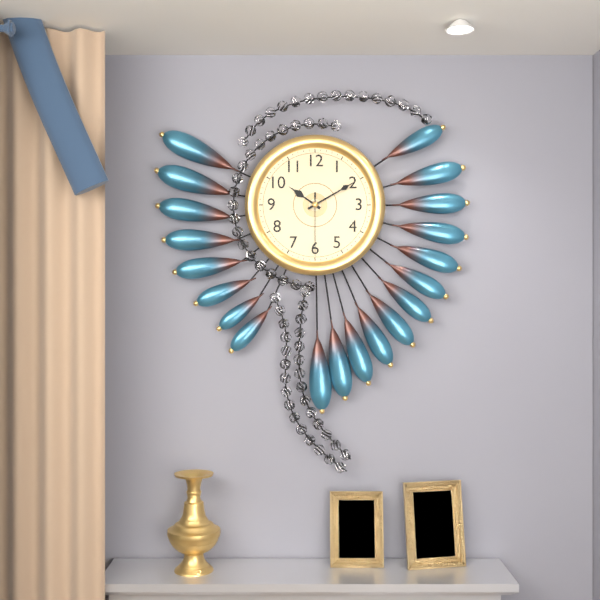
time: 10:10:30
